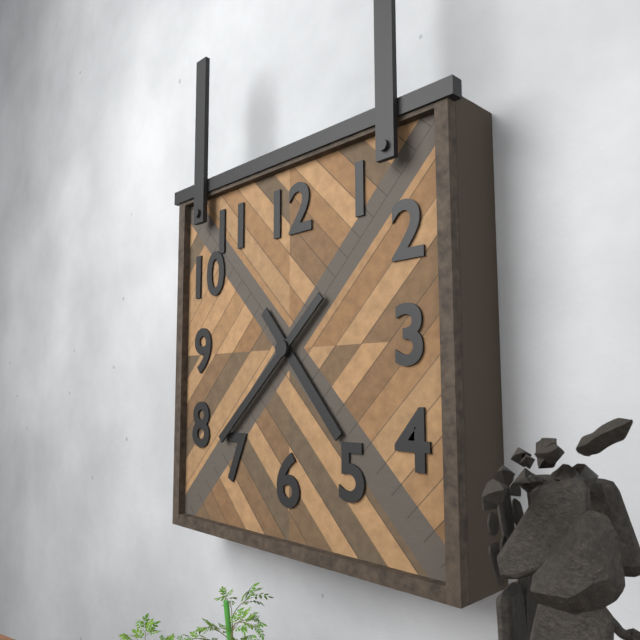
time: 4:38
